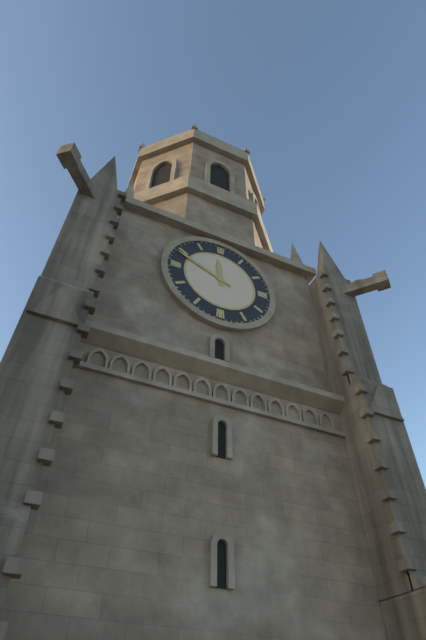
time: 11:49
